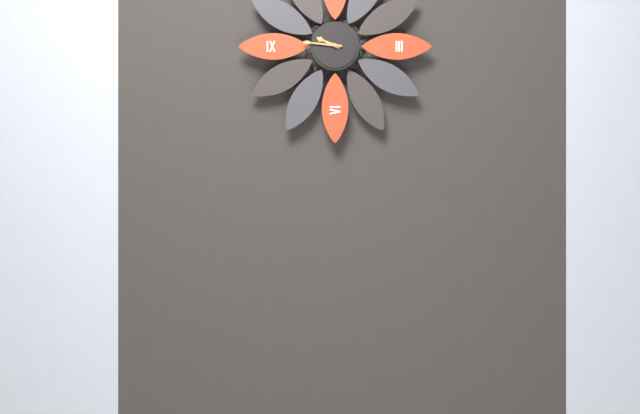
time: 9:46
